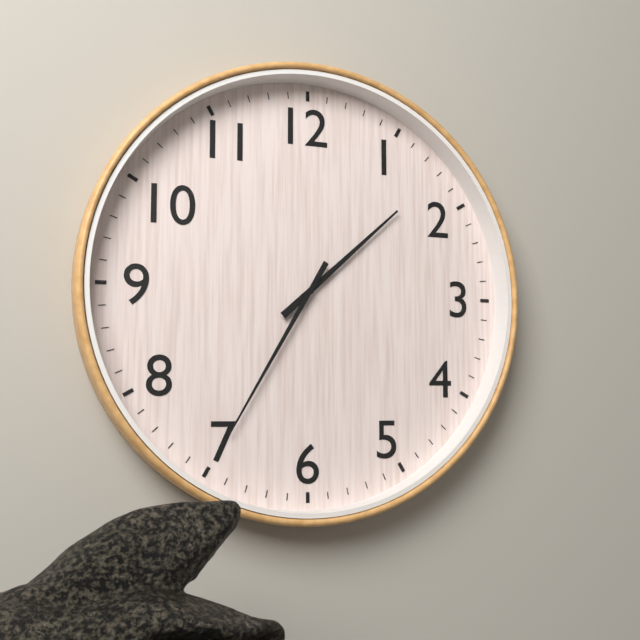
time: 1:35
